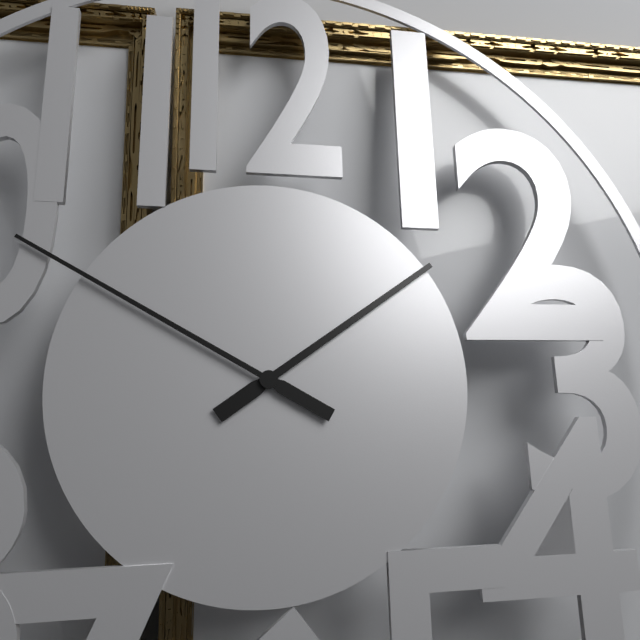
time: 1:50
